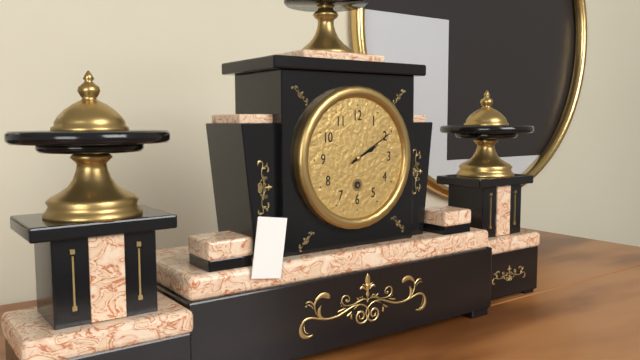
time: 2:10
